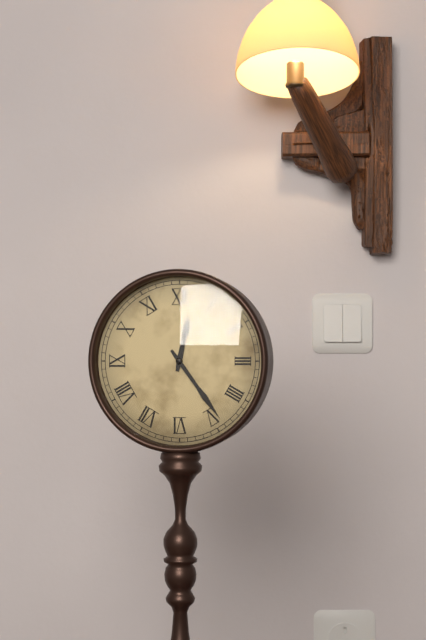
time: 12:24
